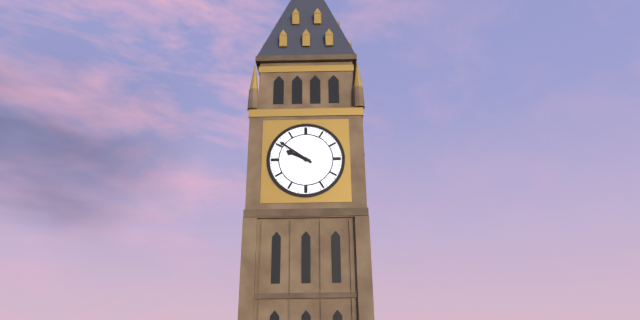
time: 9:51
